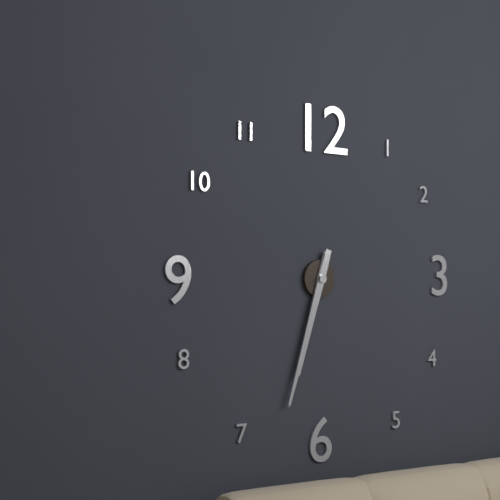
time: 6:33
